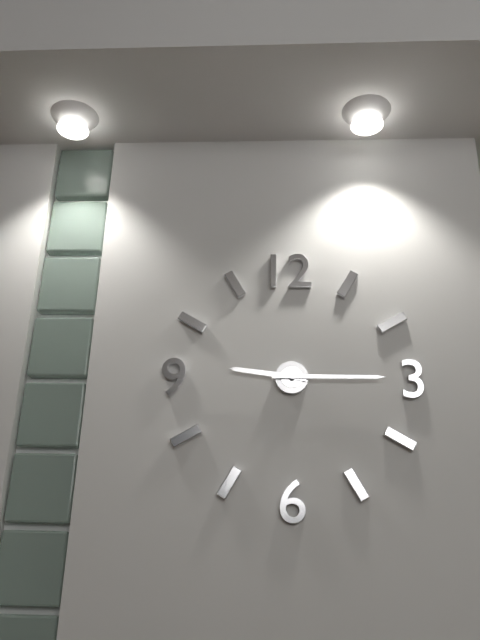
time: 9:15
